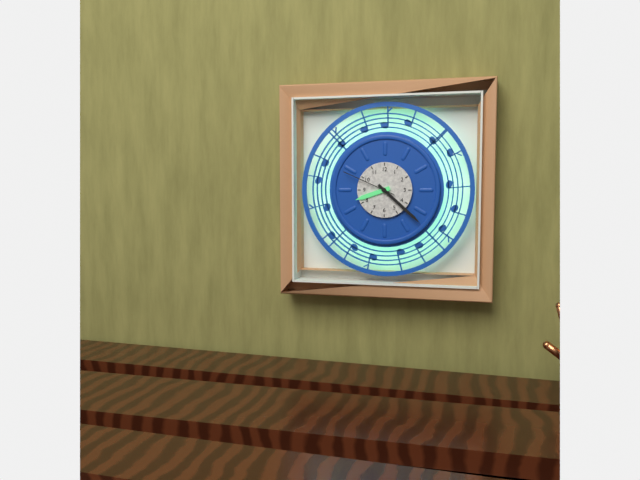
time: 8:22:49
